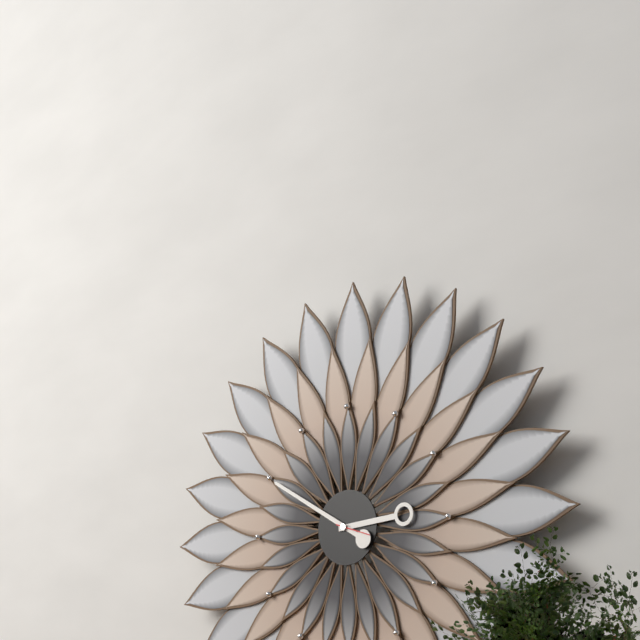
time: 2:50
